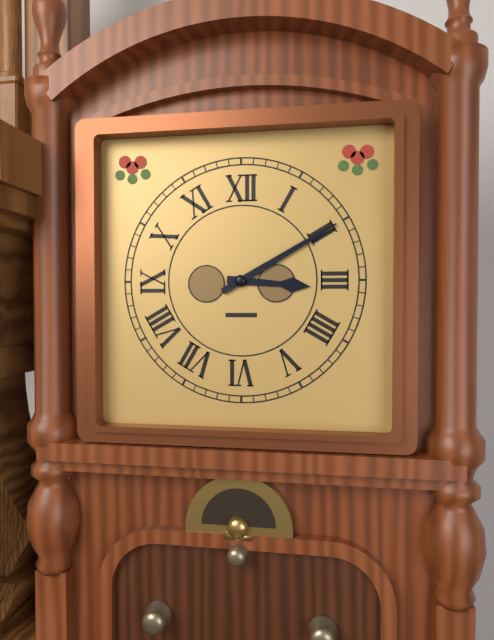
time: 3:10
